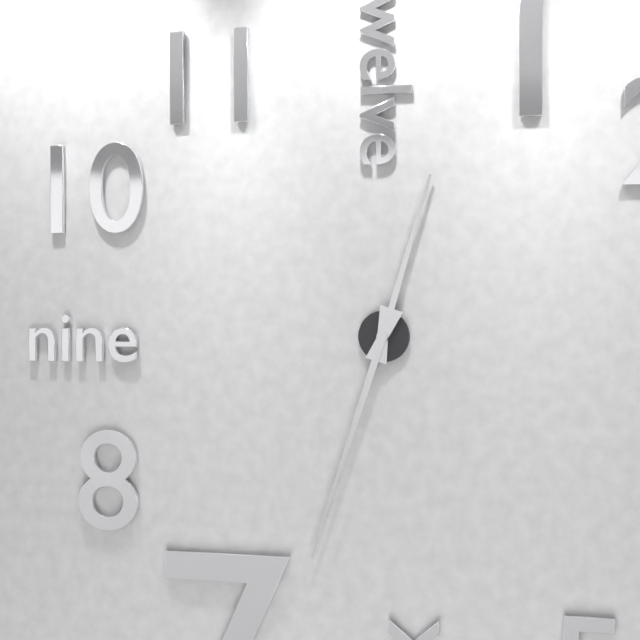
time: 12:33
